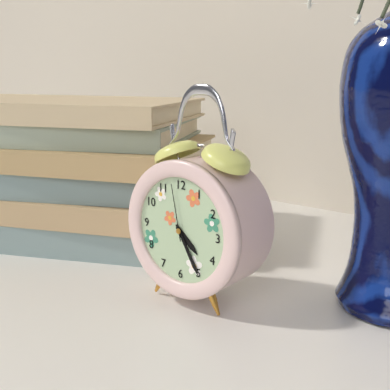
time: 4:25:58
